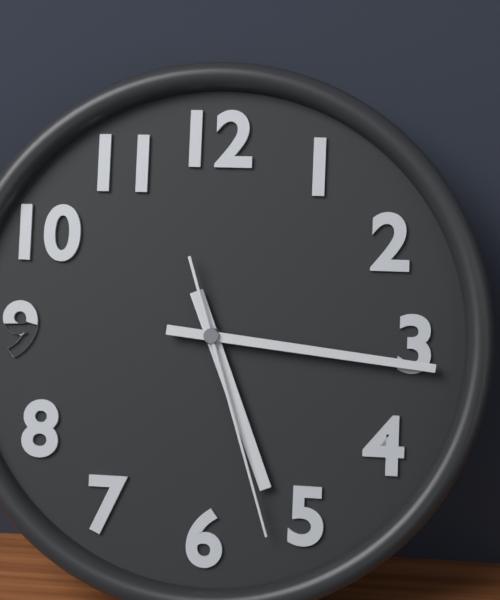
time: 5:16:27
